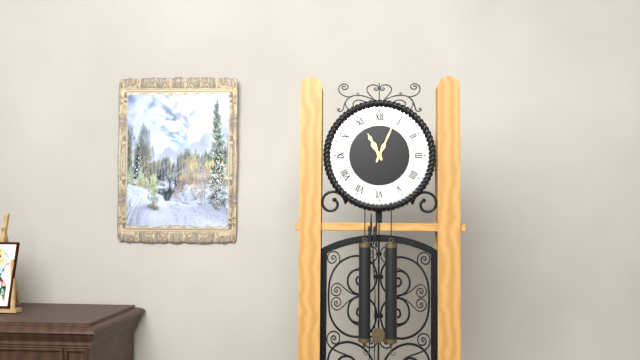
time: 11:04
